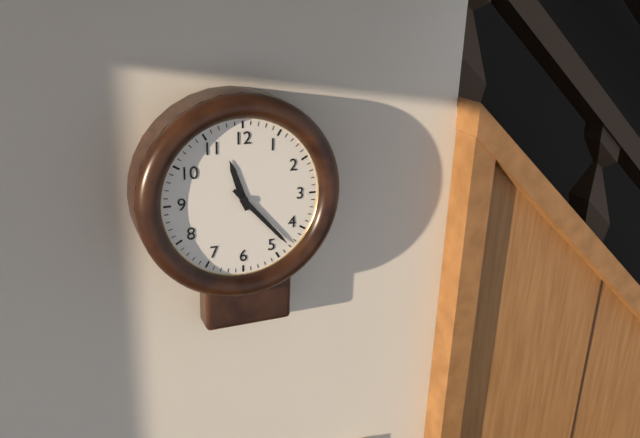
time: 11:23
